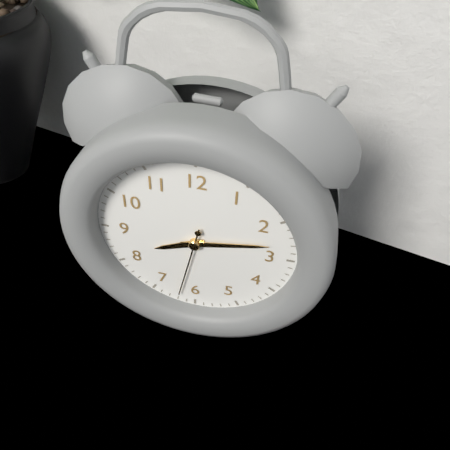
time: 8:13:32
